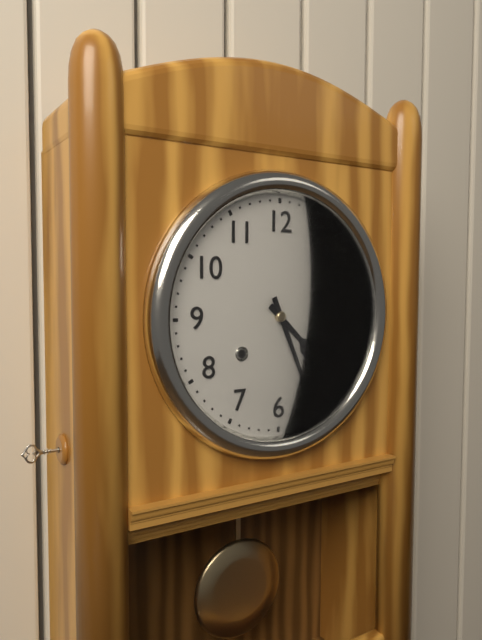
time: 4:26
